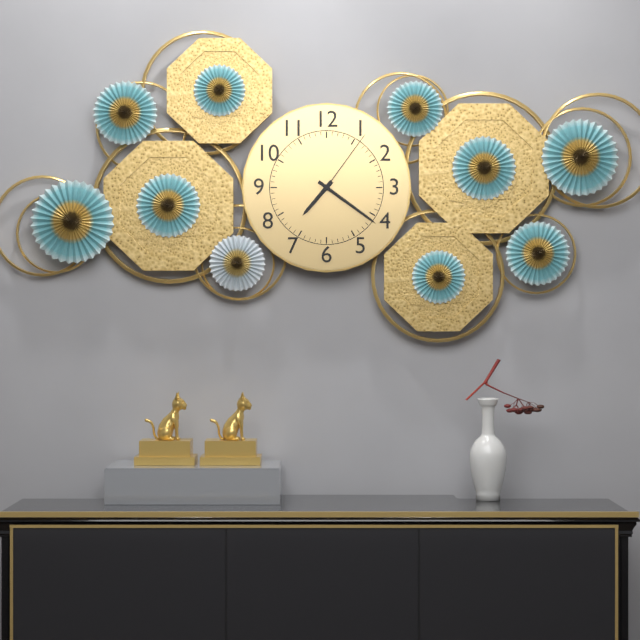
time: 7:21:06
